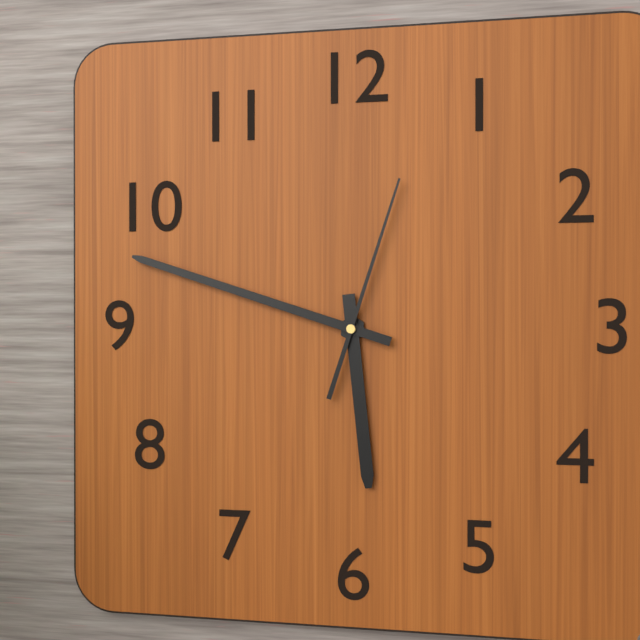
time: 5:48:03
